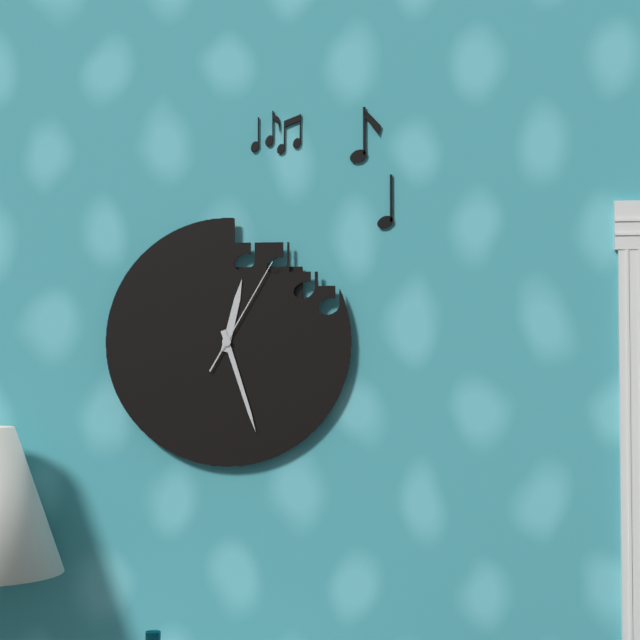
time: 12:27:05
